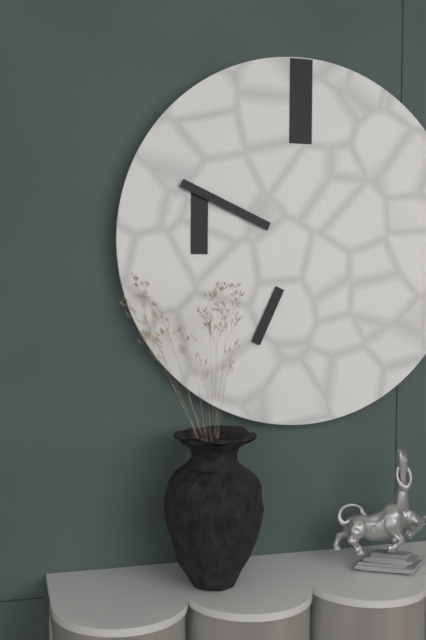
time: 6:49
